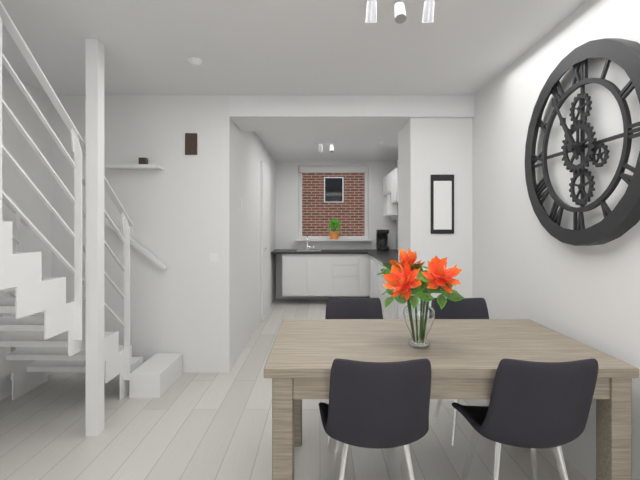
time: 10:55
